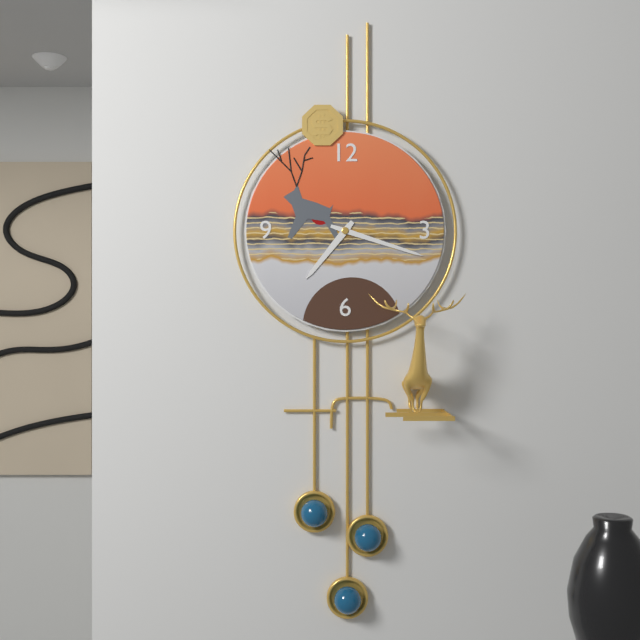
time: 7:18
